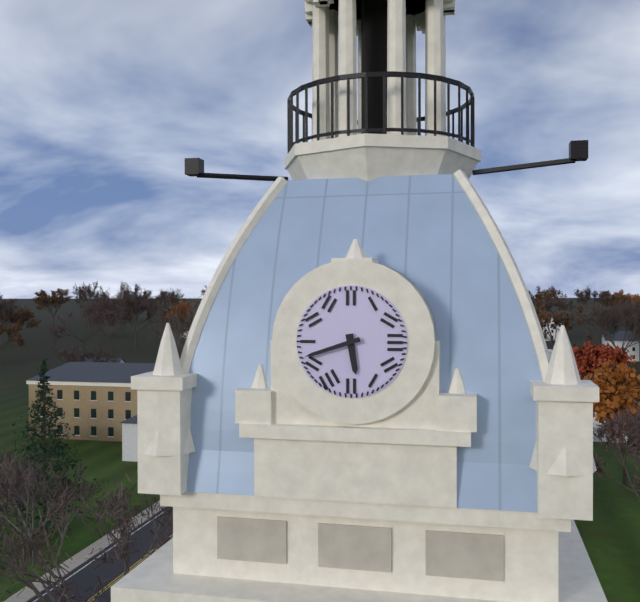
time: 5:42
